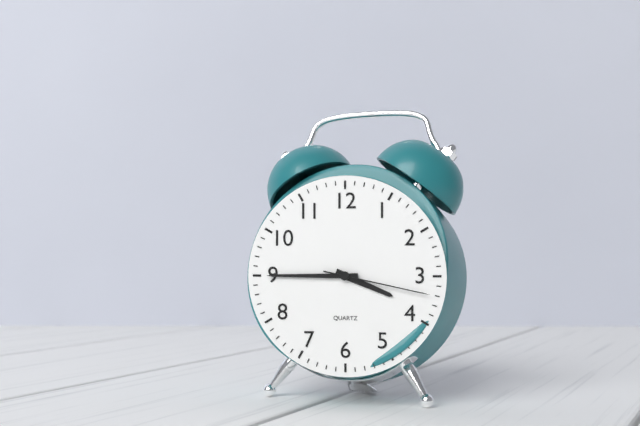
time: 3:45:17
